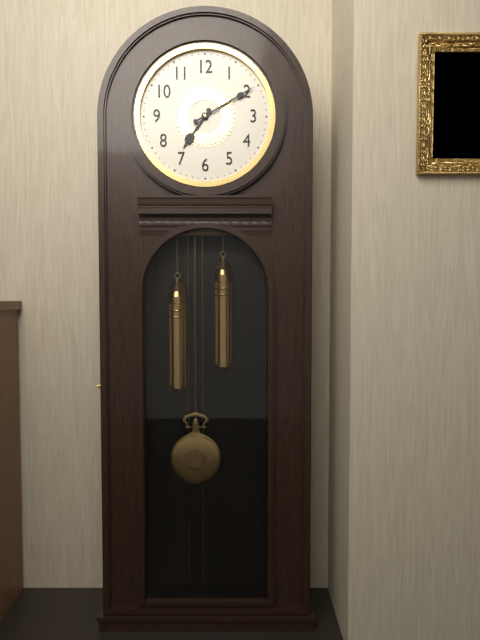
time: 7:10
